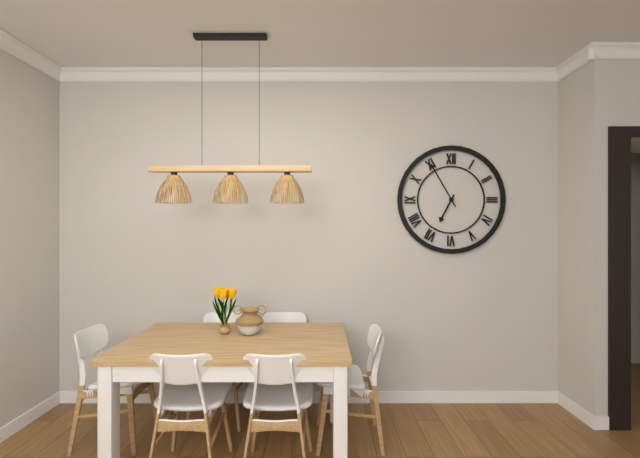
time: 6:55
